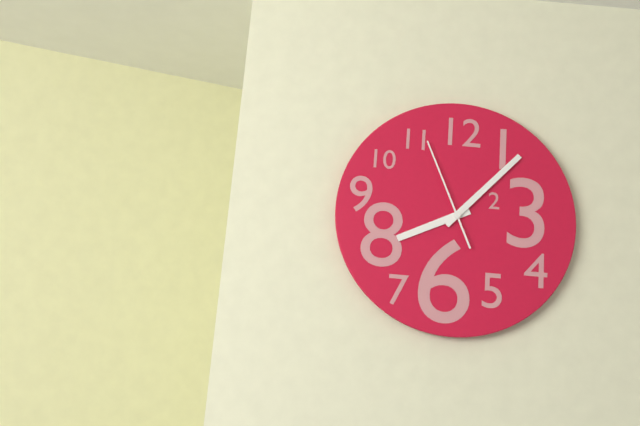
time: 8:07:56
